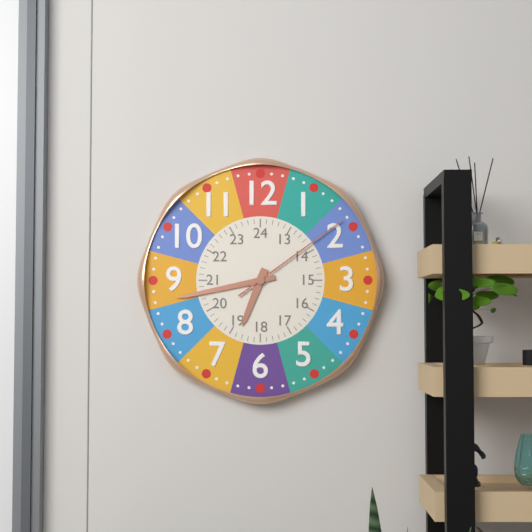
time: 6:43:09
